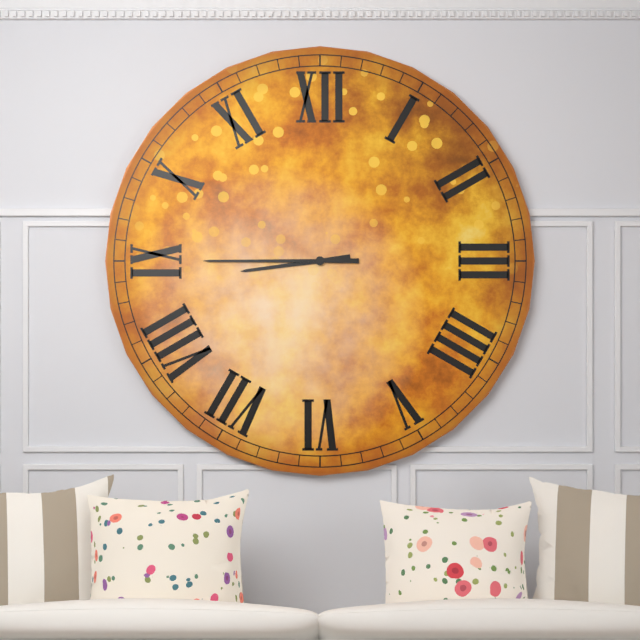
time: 8:45
